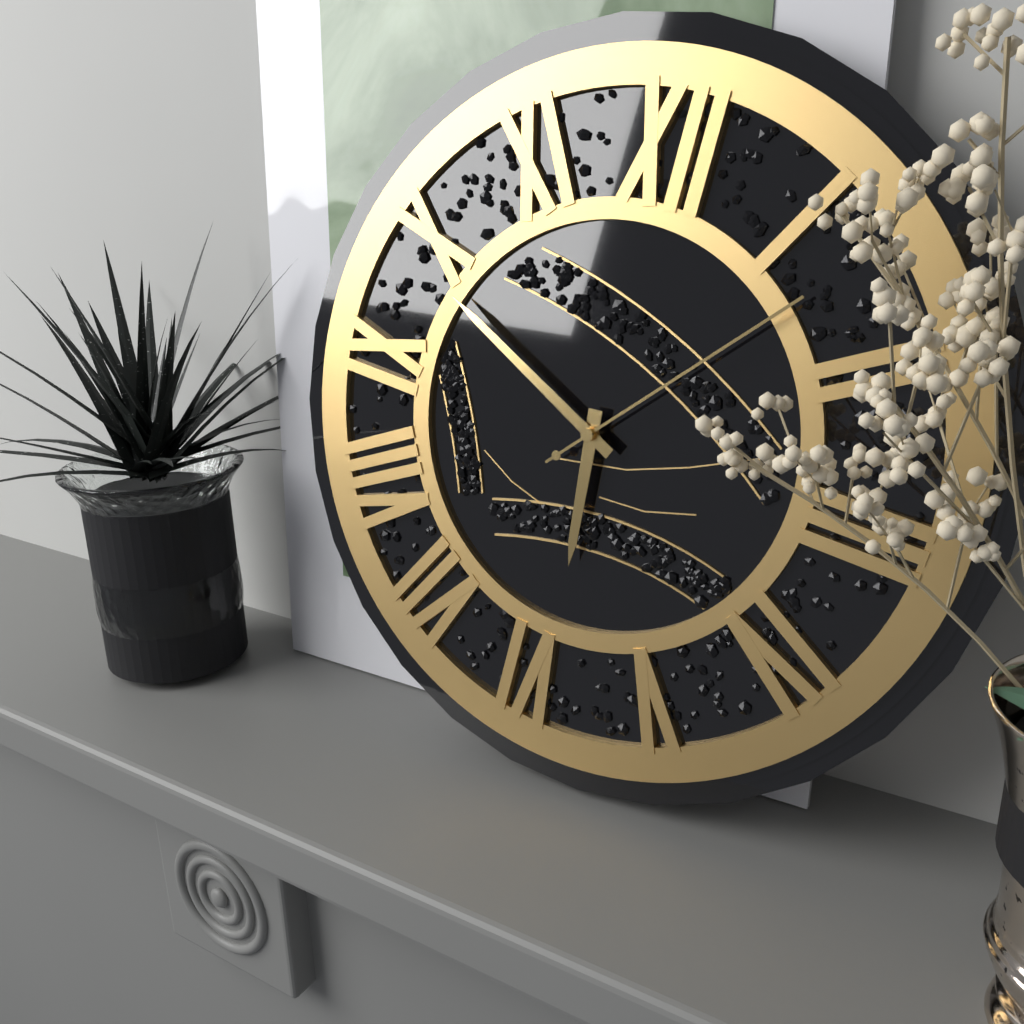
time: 5:49:07
